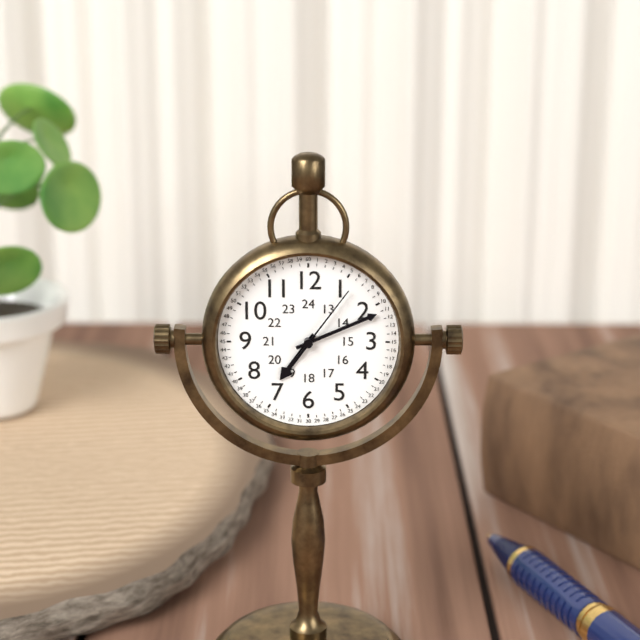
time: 7:11:06
